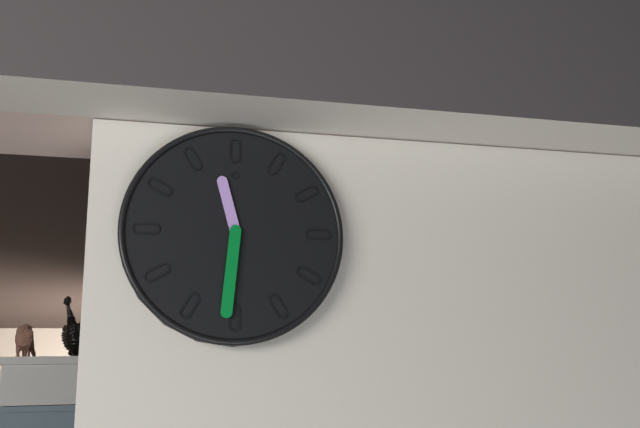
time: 11:31
